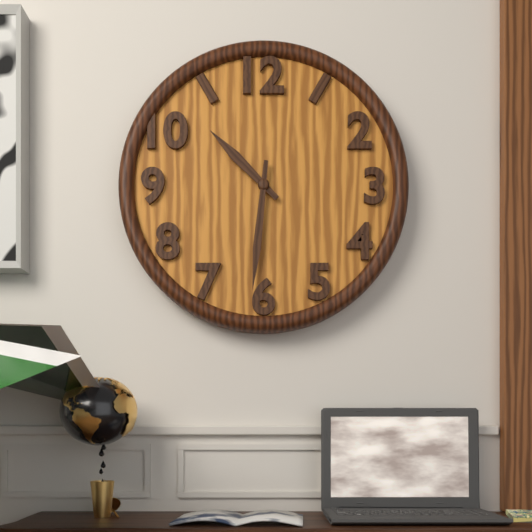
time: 10:31
